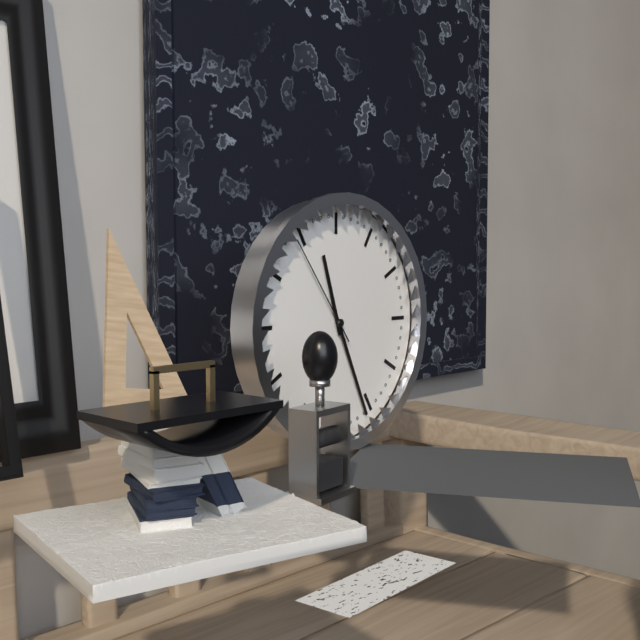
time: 11:26:54
